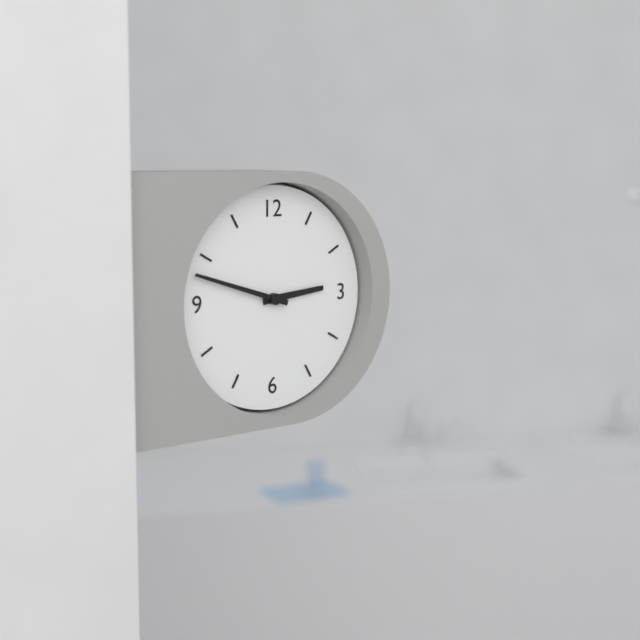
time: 2:48
